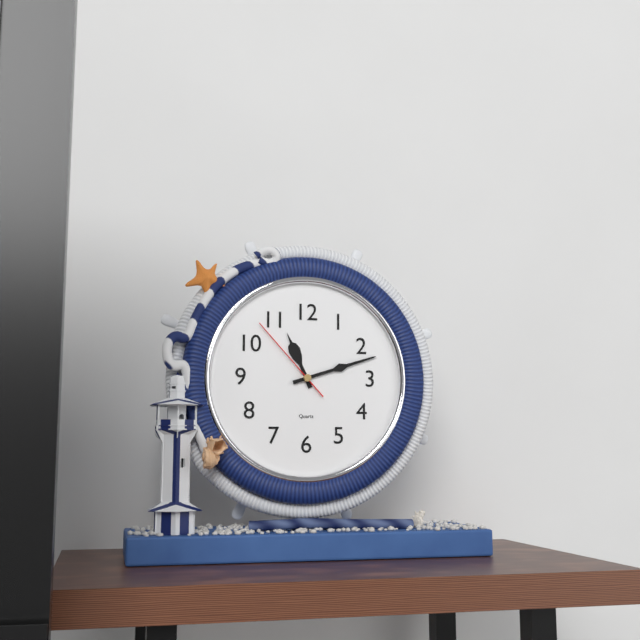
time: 11:12:53
